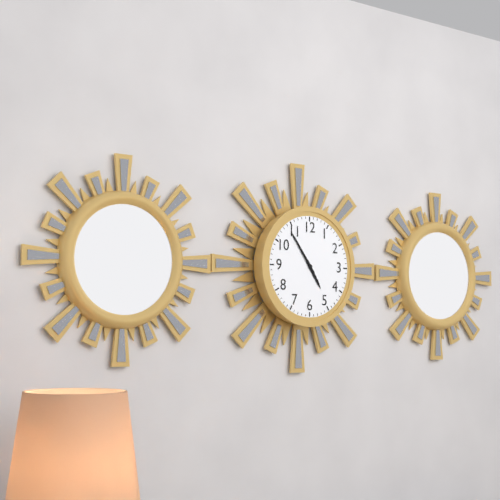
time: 4:54
